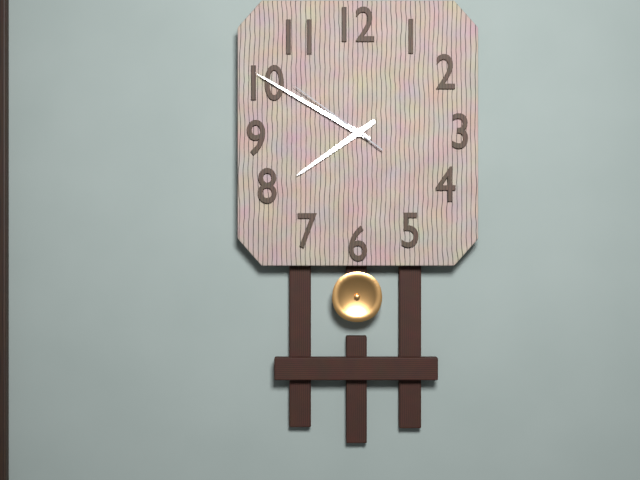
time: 7:50:51
